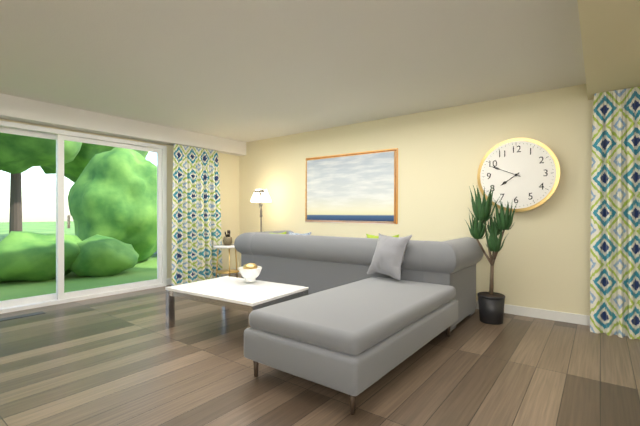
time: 7:49
